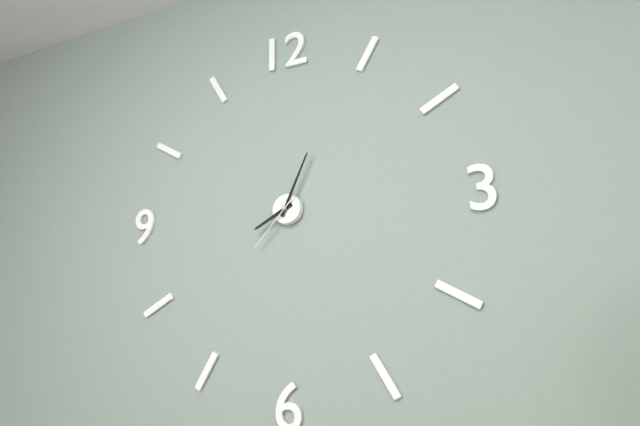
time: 8:04:37
